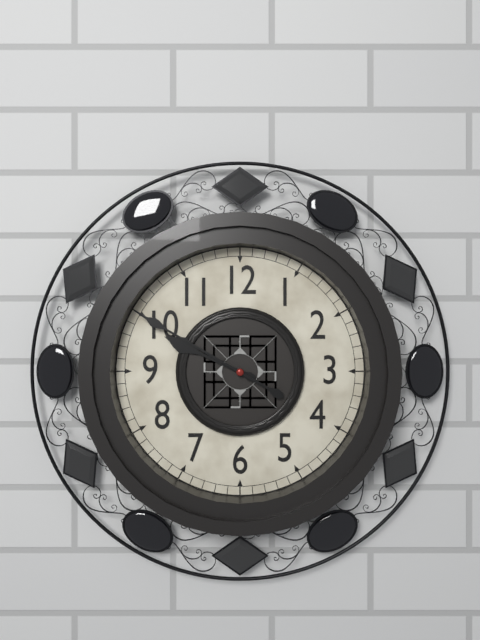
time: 9:50
